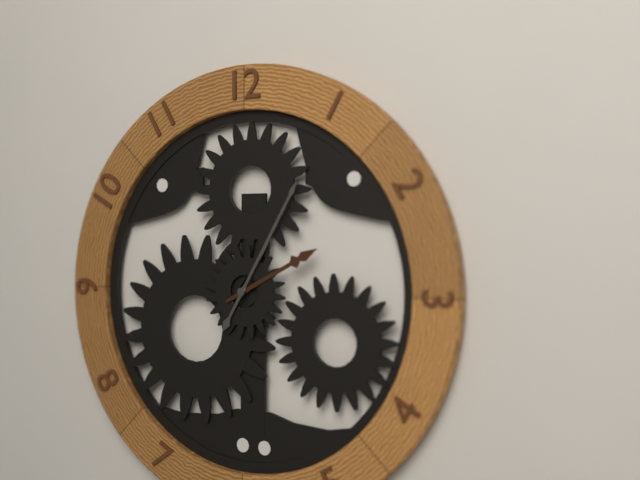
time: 2:05
